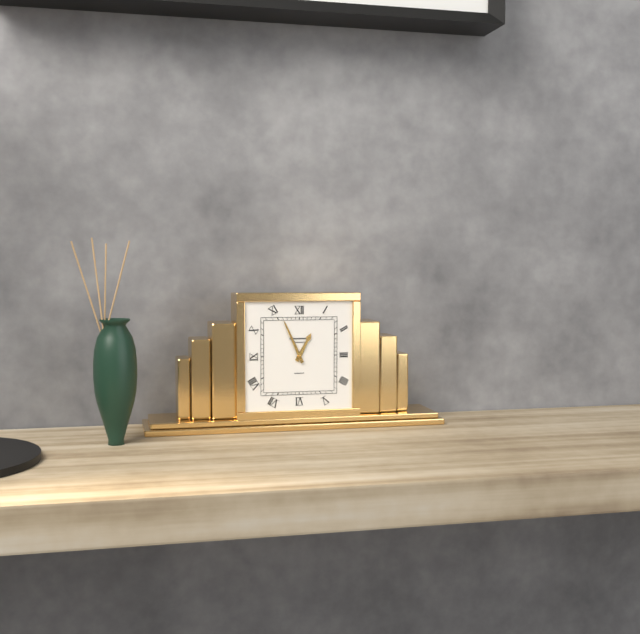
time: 12:56
